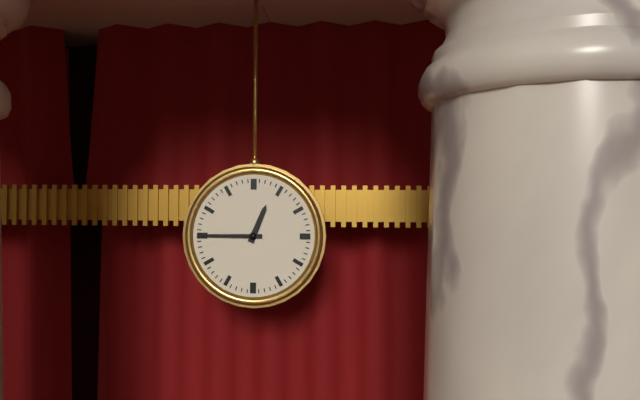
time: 12:45
